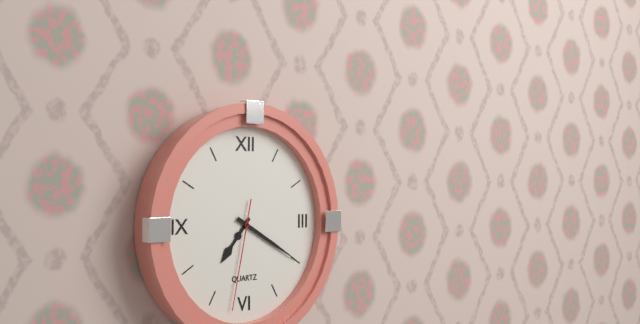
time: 7:20:32
